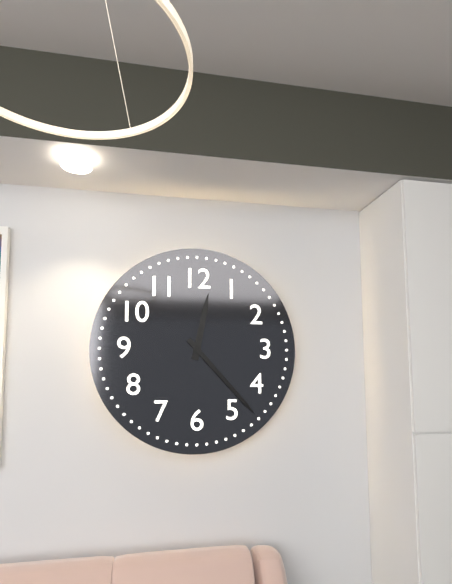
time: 12:23
